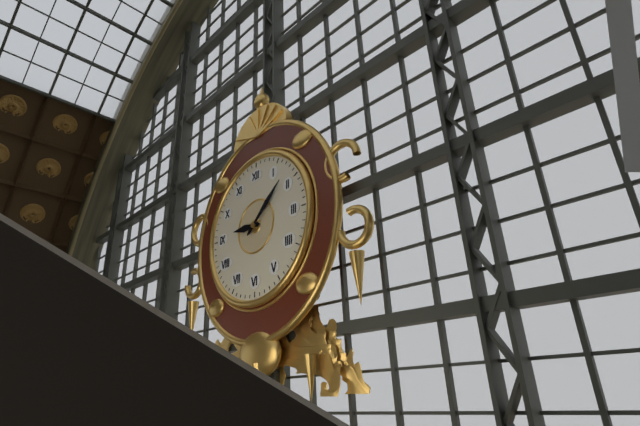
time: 9:08
